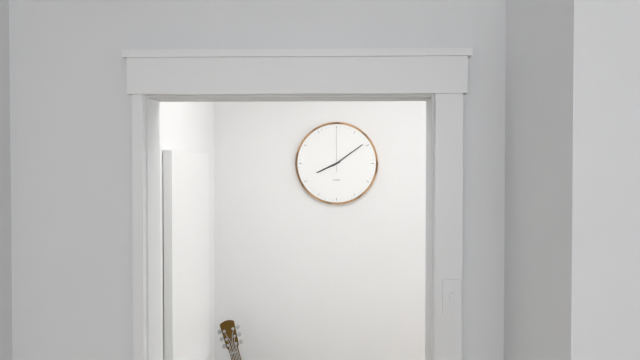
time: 8:09
